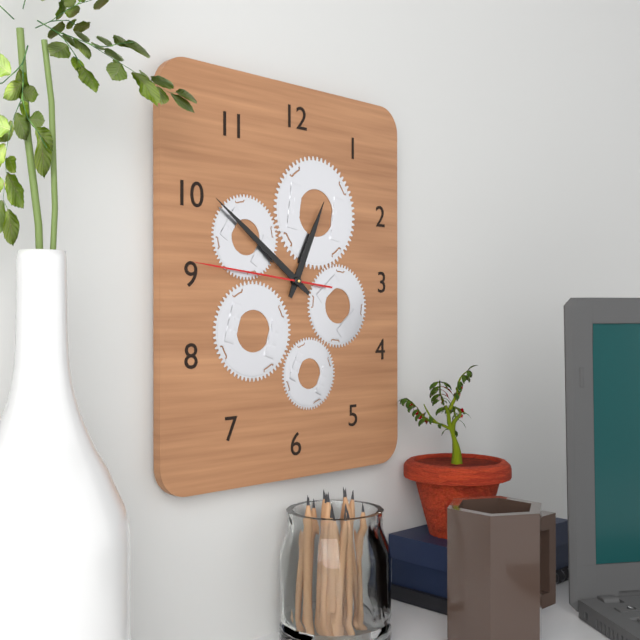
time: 12:51:46
